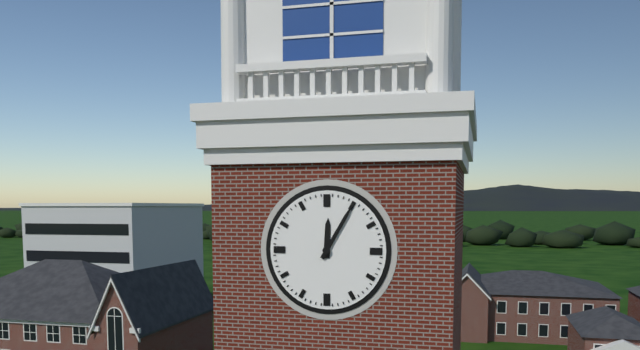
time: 12:05
